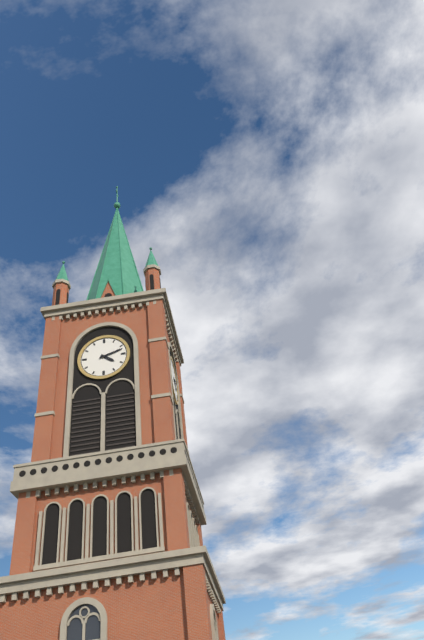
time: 4:12
